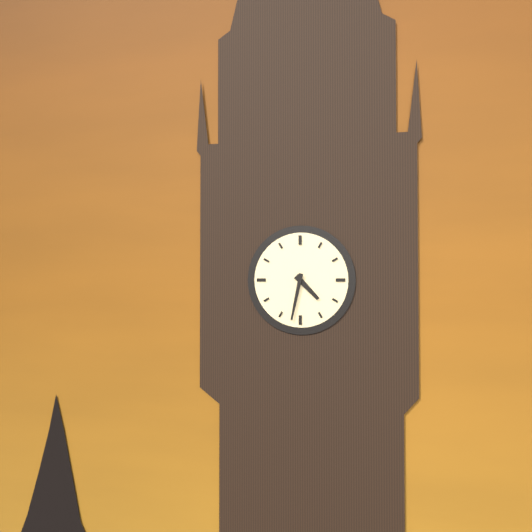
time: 4:32
